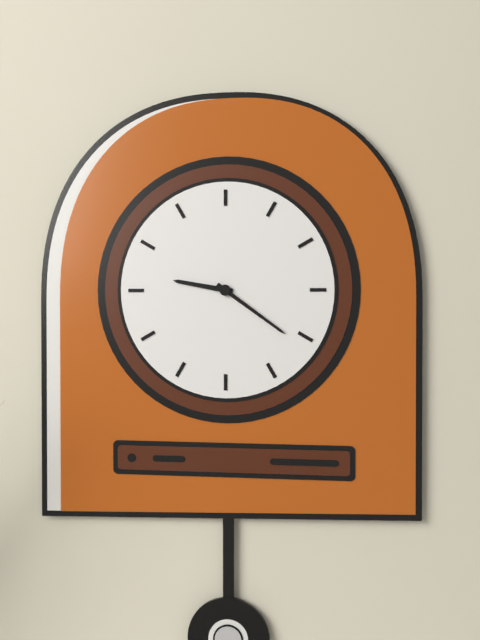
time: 9:21
